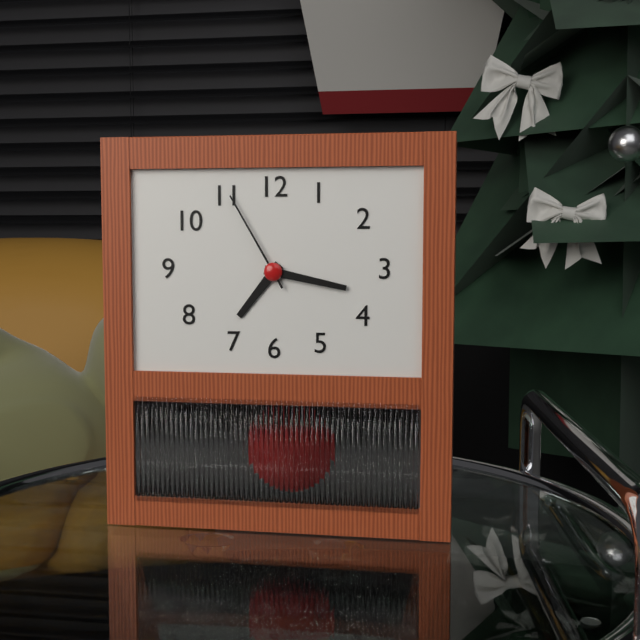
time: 7:17:55
